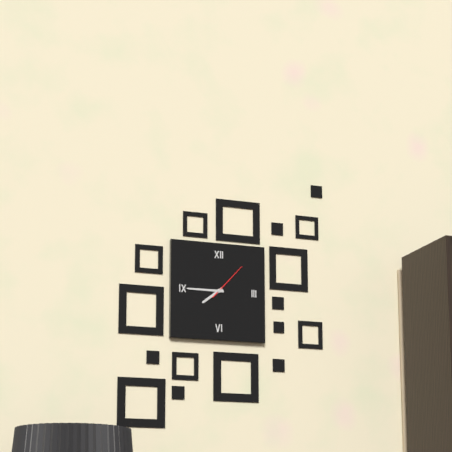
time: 7:45
